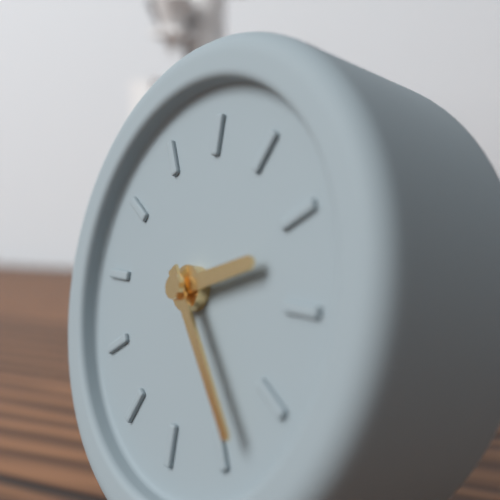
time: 2:23
